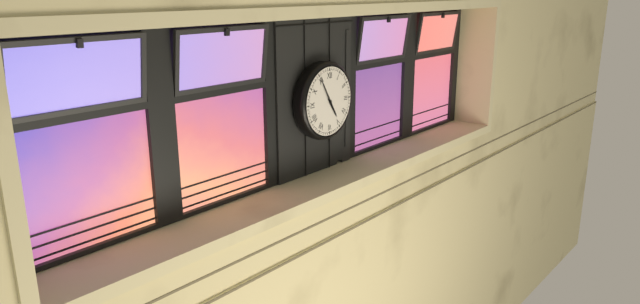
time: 4:55
